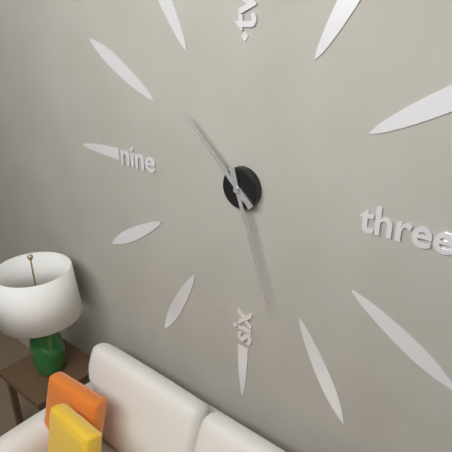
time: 10:27
